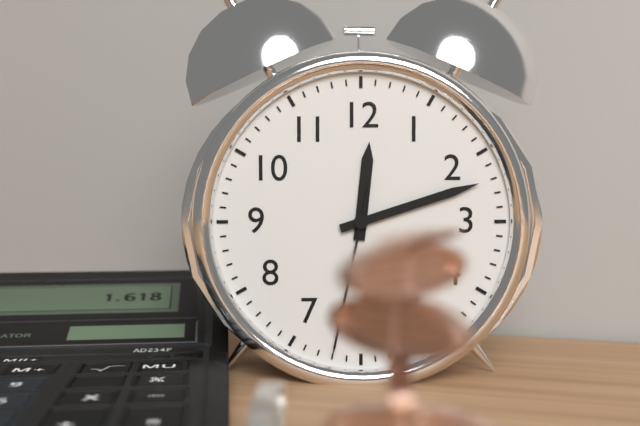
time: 12:12:32
